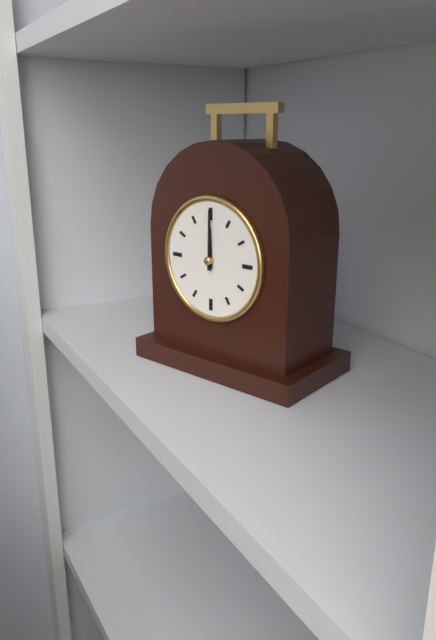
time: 12:00
